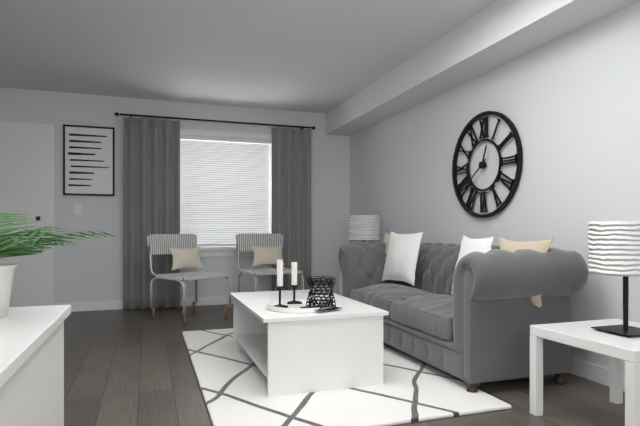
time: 12:39
